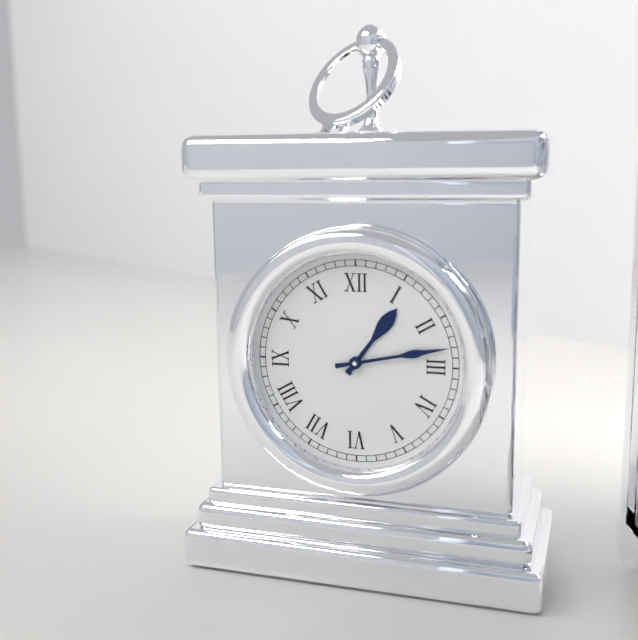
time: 1:13
